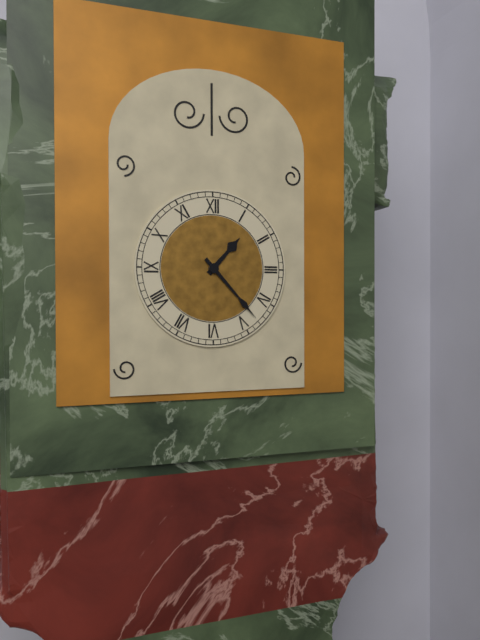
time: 1:23
